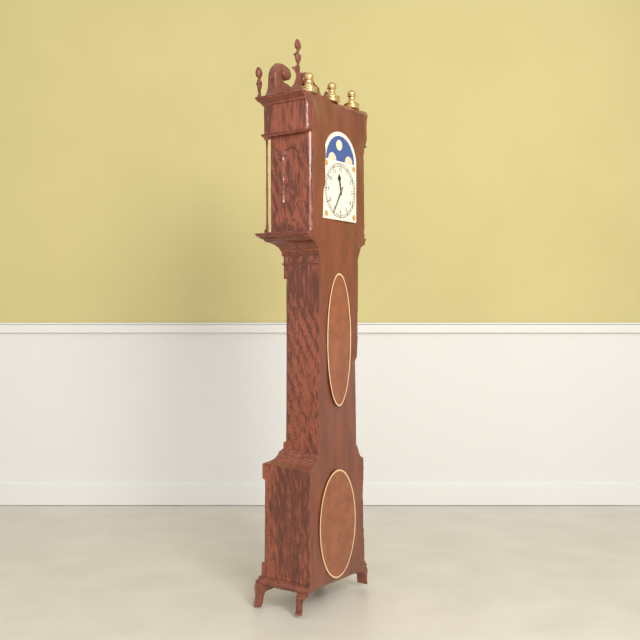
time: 11:35
